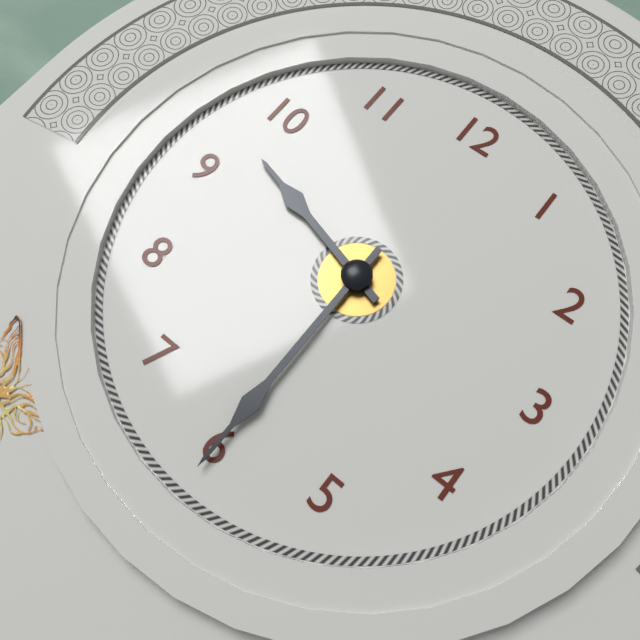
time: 9:30
